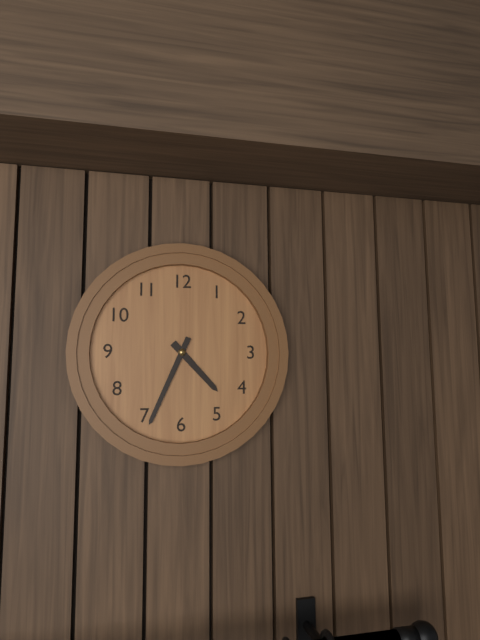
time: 4:34
